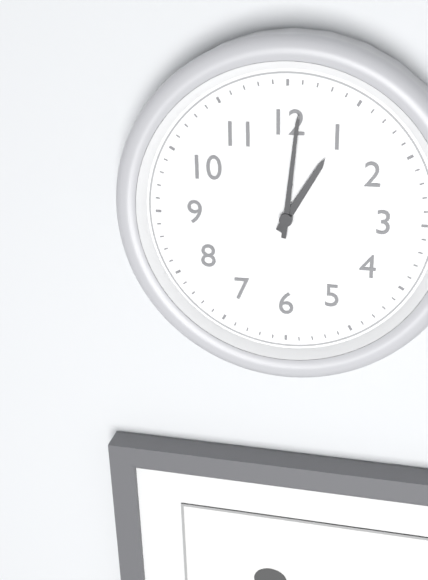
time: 1:01
